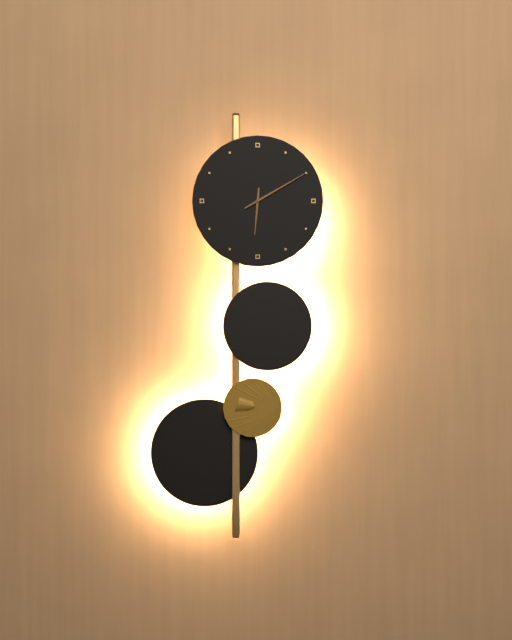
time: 6:10
